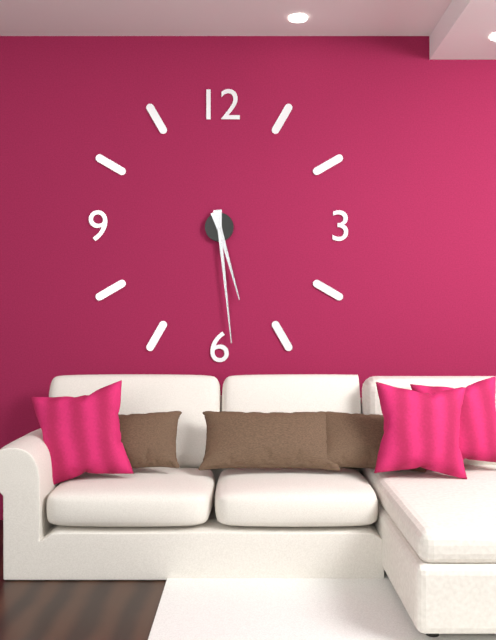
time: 5:29
